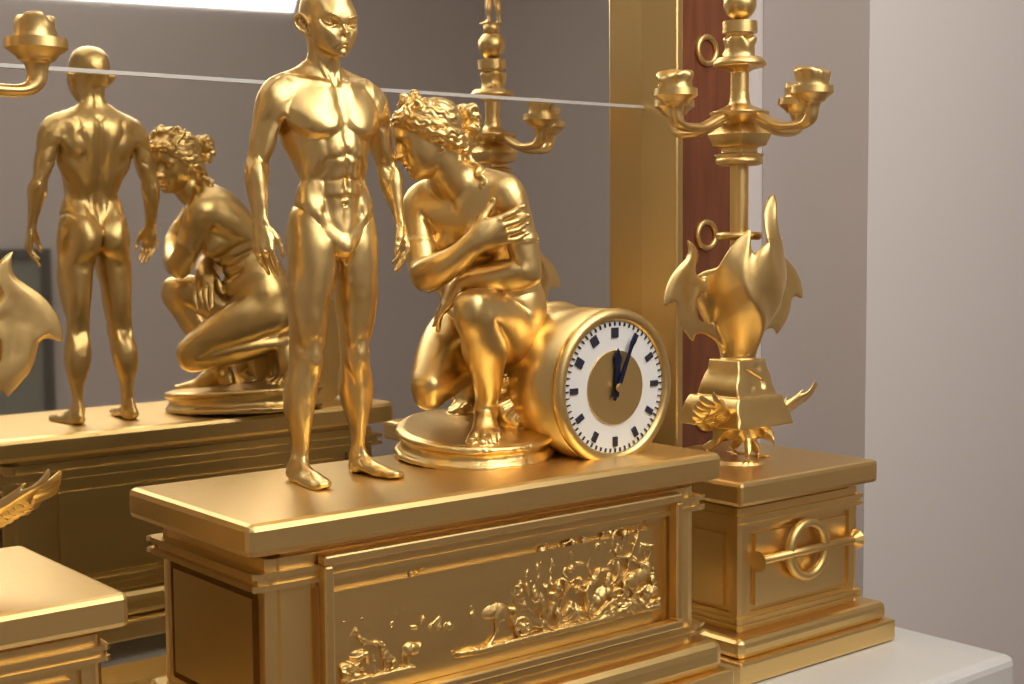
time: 12:04
